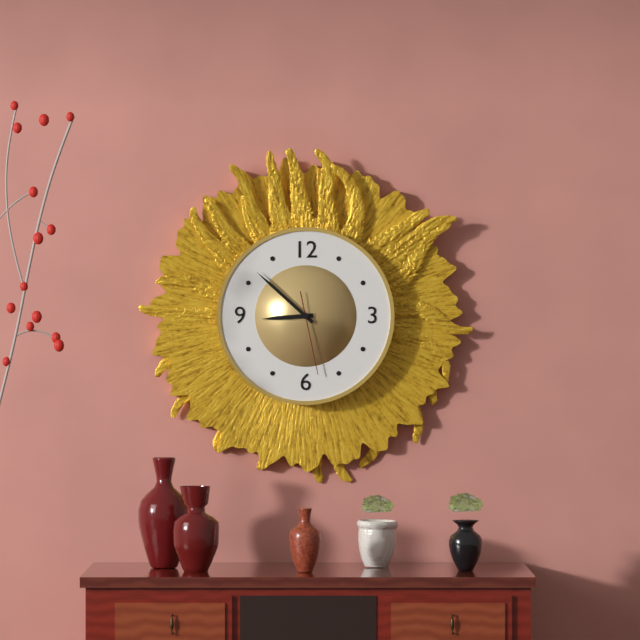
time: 8:52:28
